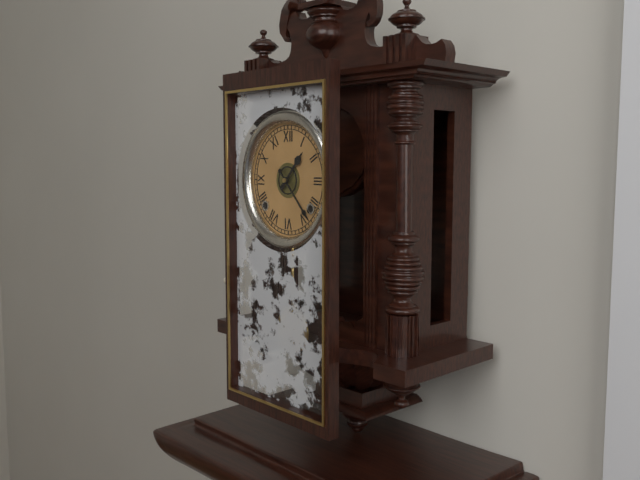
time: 1:23
